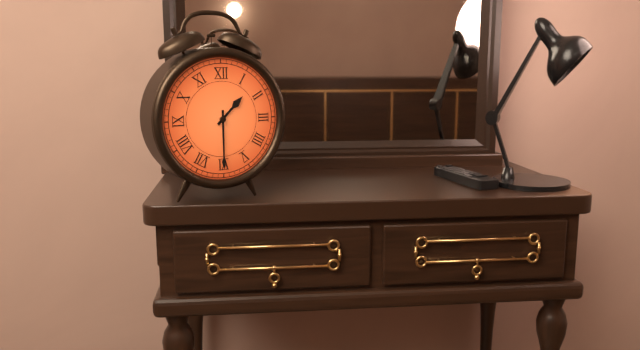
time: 1:30
